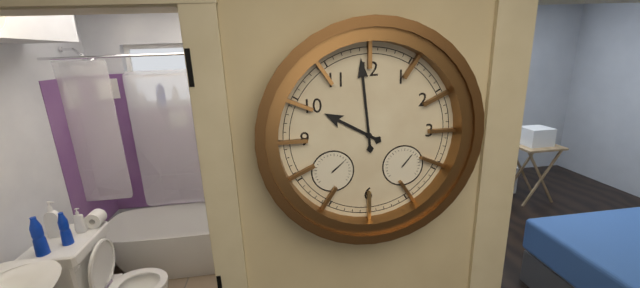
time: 9:59
